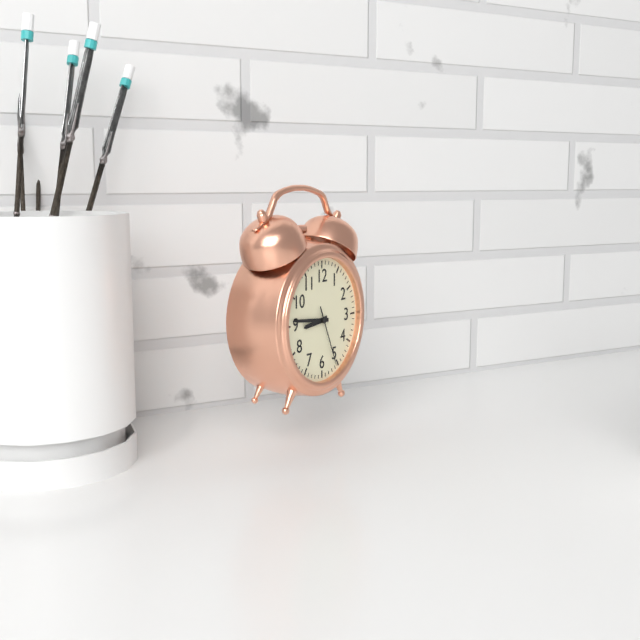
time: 8:46:26
